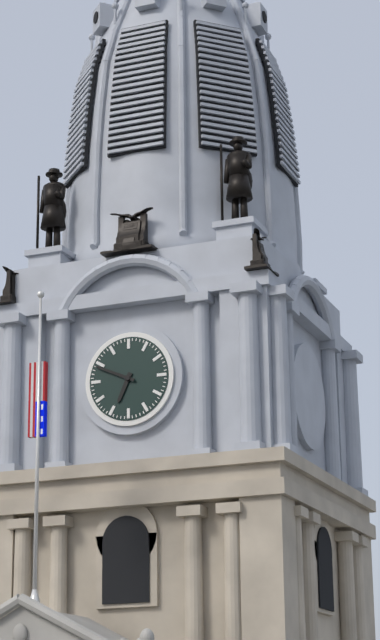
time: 6:49
